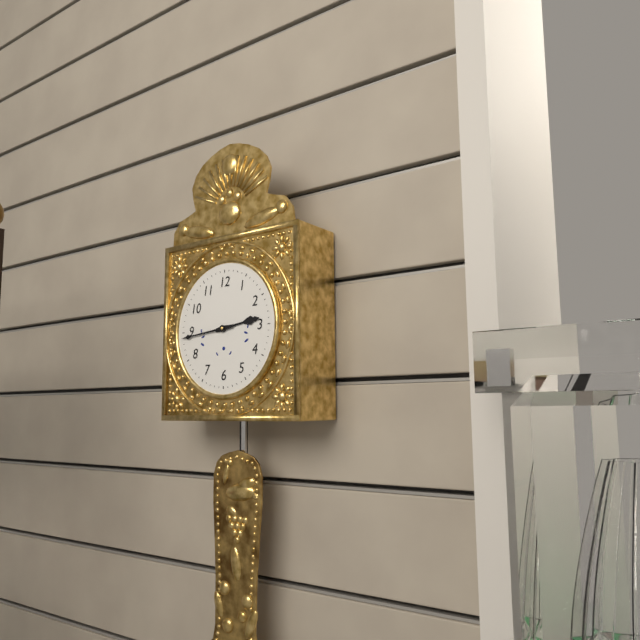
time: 2:44
